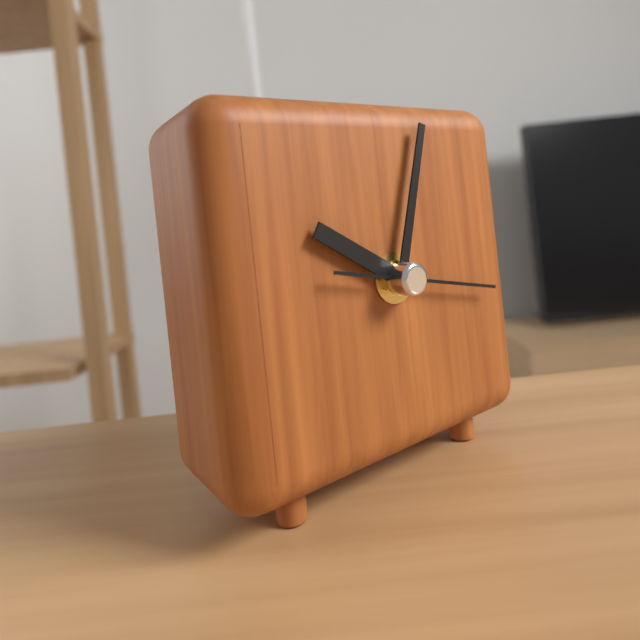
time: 10:03:17
